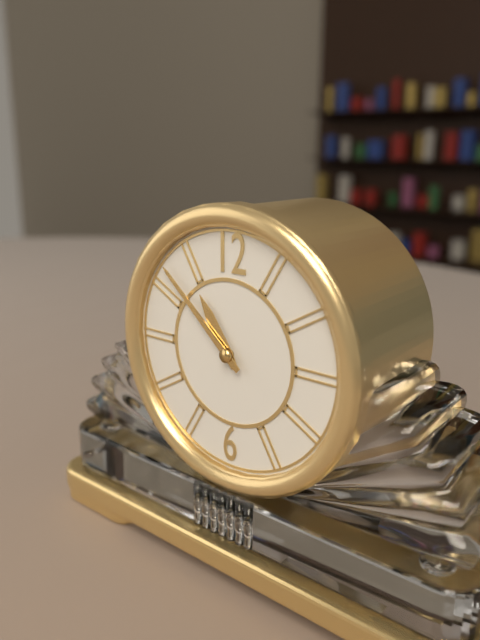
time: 10:52
